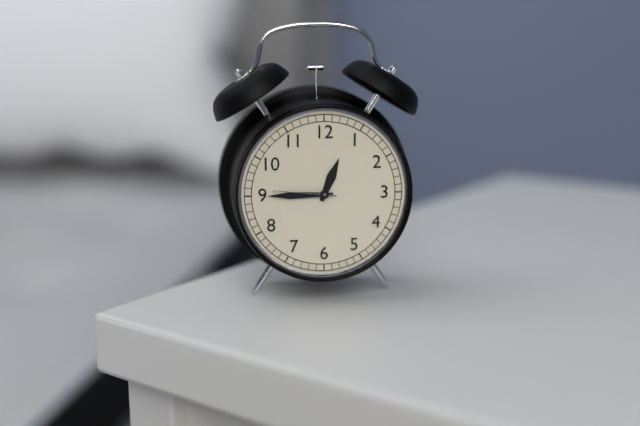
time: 12:45:46
